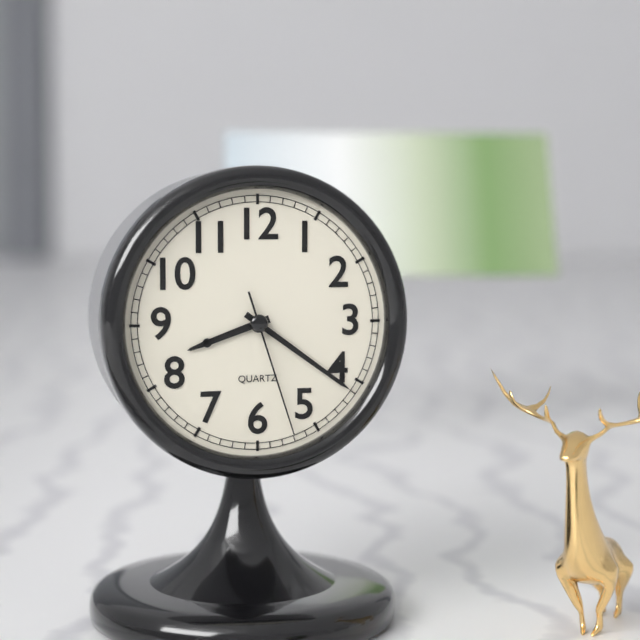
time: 8:21:27
